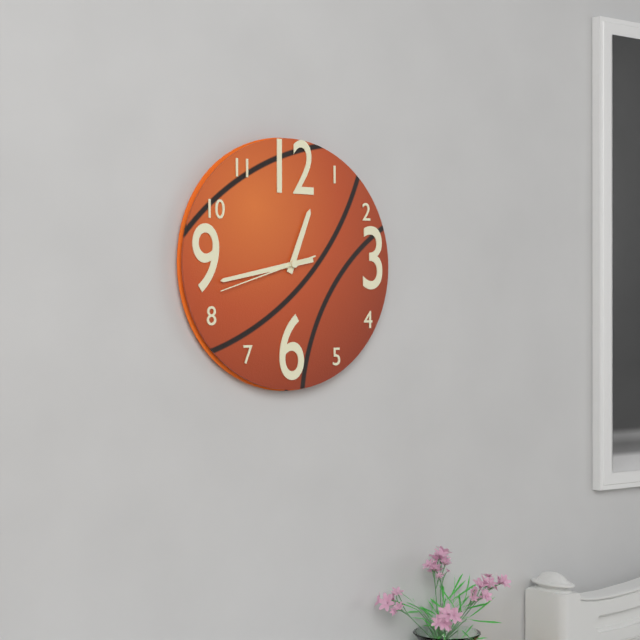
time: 12:43:42
